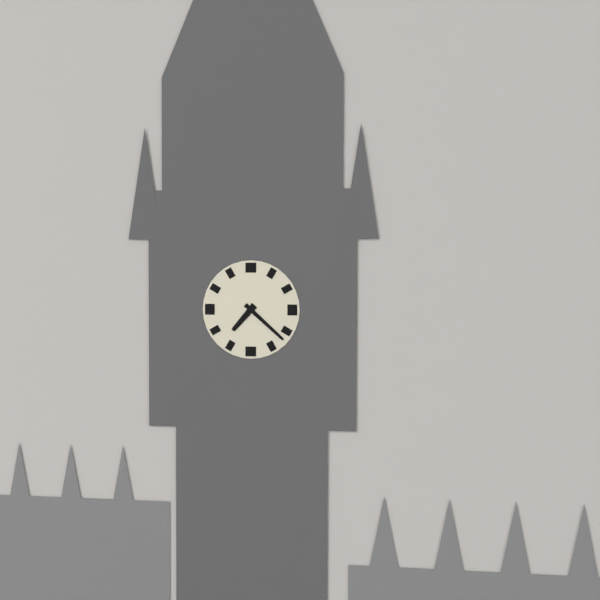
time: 7:22
